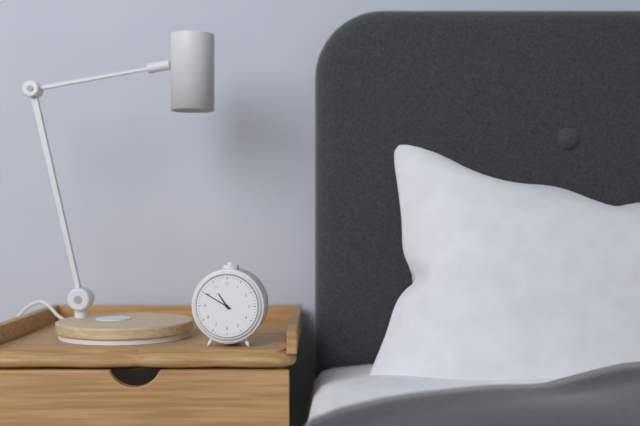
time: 10:50
